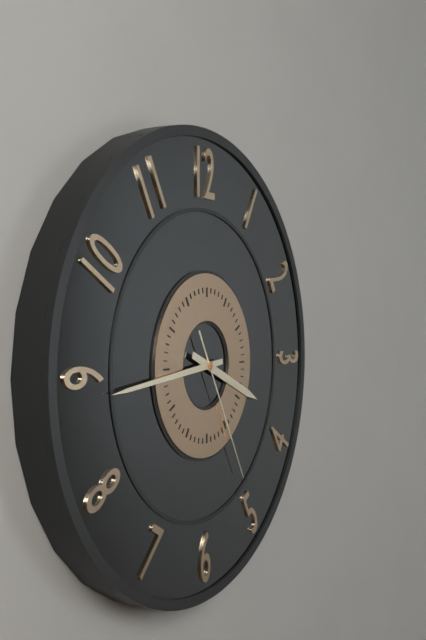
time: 3:44:25
